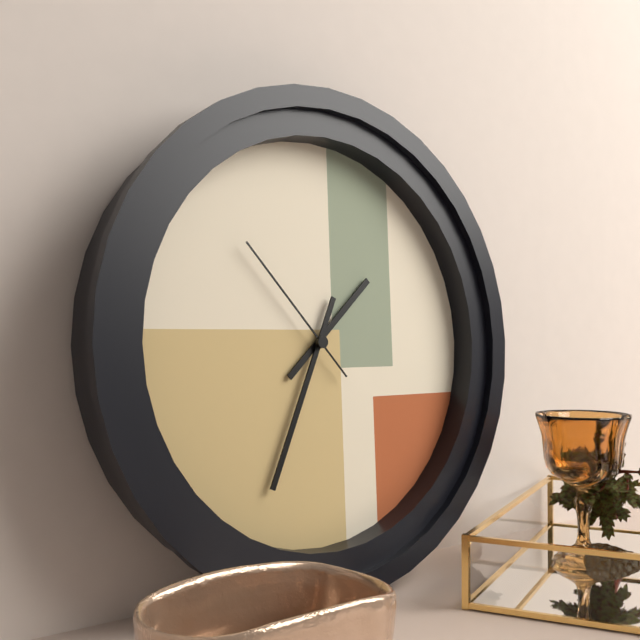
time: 1:34:53
